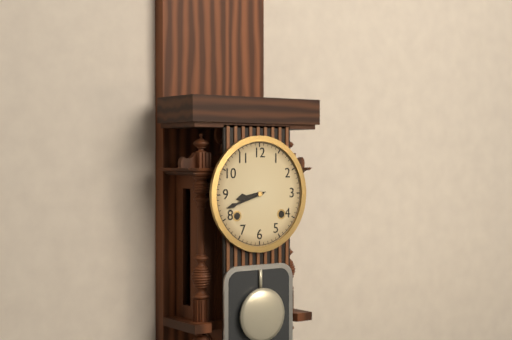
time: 8:42
